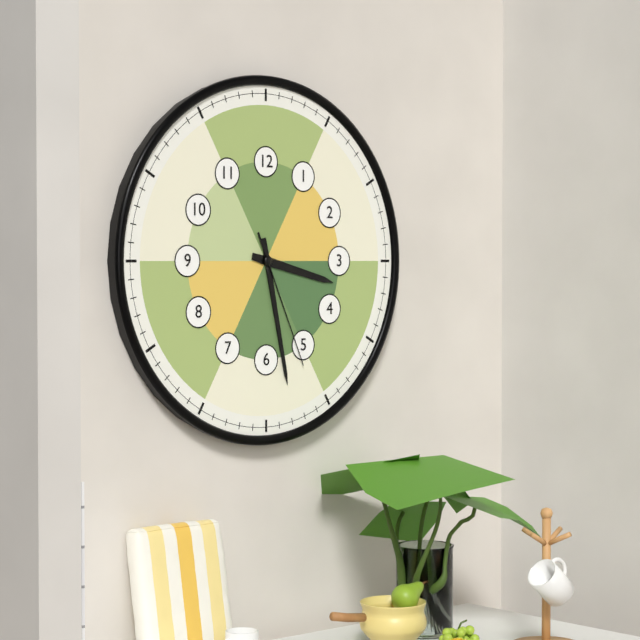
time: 3:28:26
